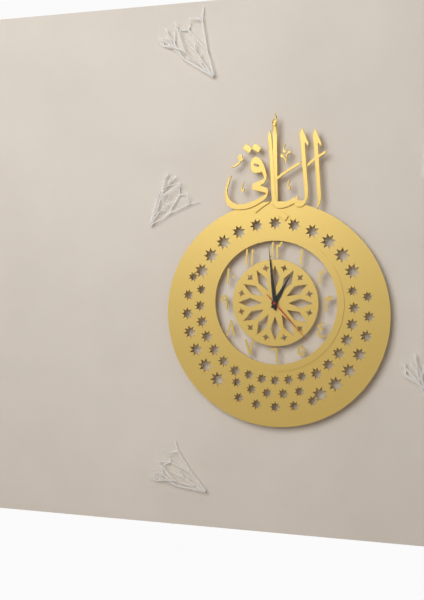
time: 12:59:23
